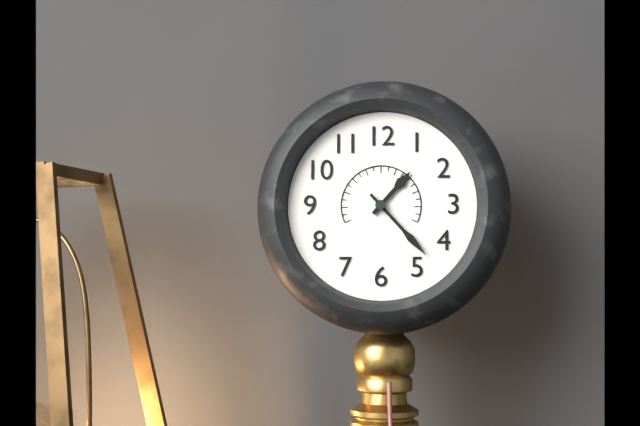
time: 1:23
